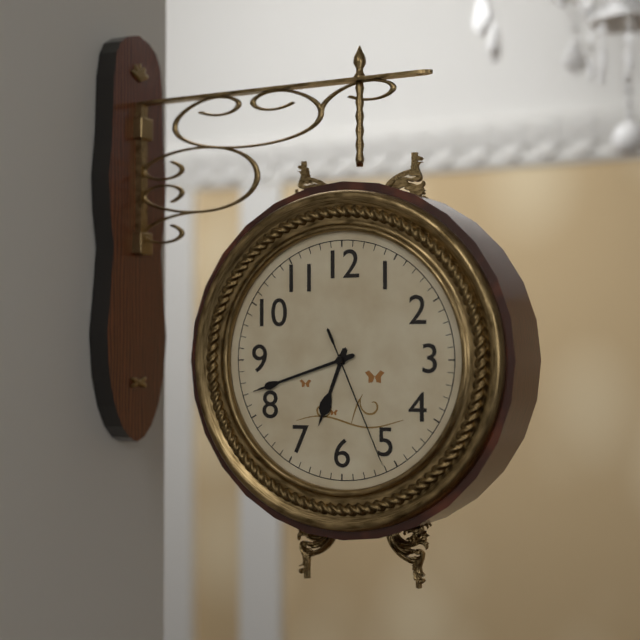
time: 6:42:26
